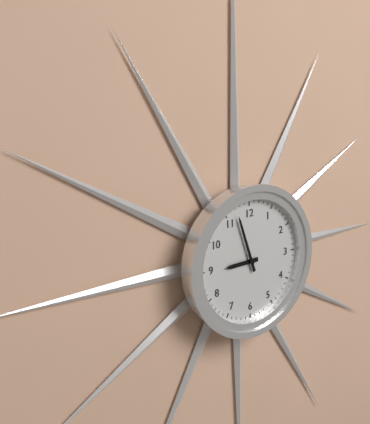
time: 8:57
